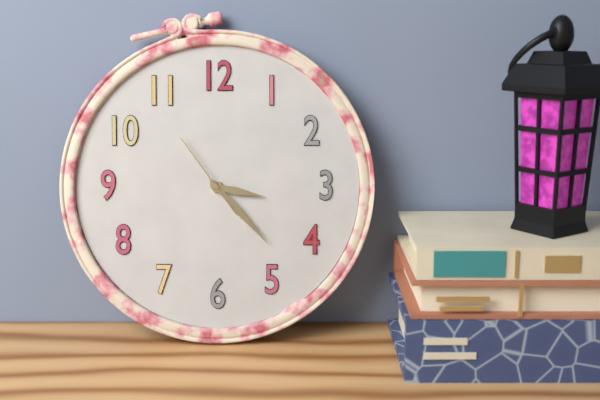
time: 3:23:54
